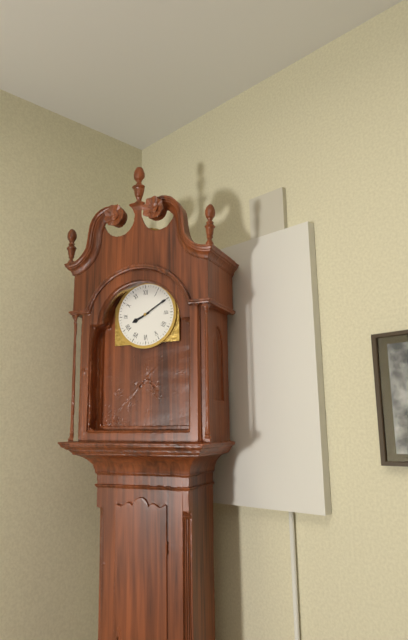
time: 8:10
